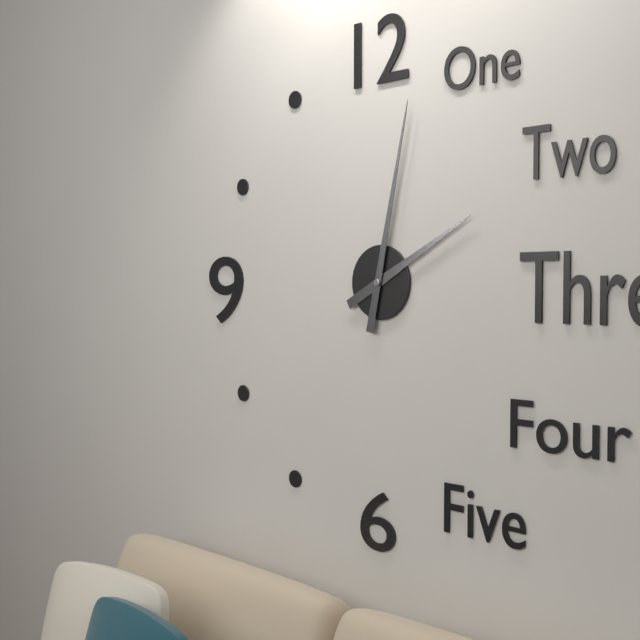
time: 2:02
